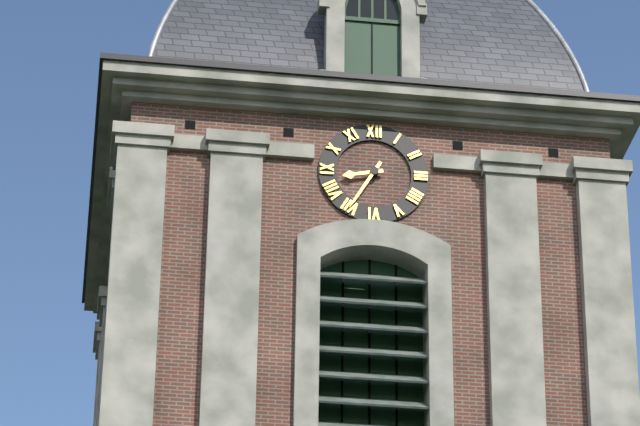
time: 8:35
